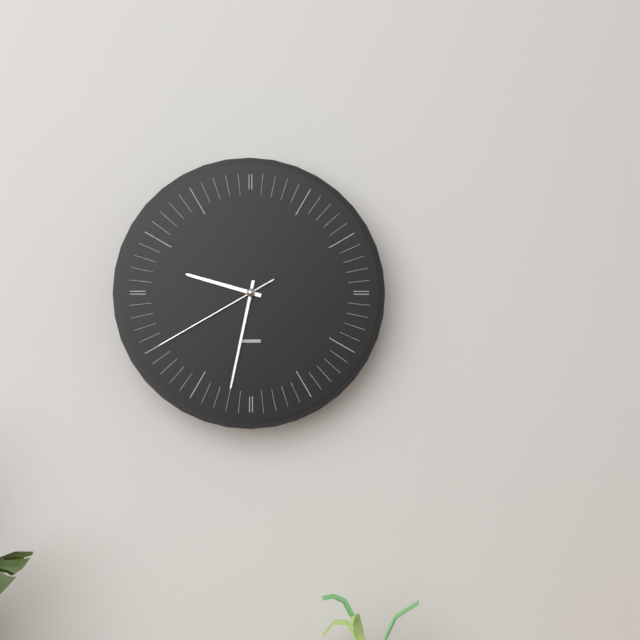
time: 9:32:40
